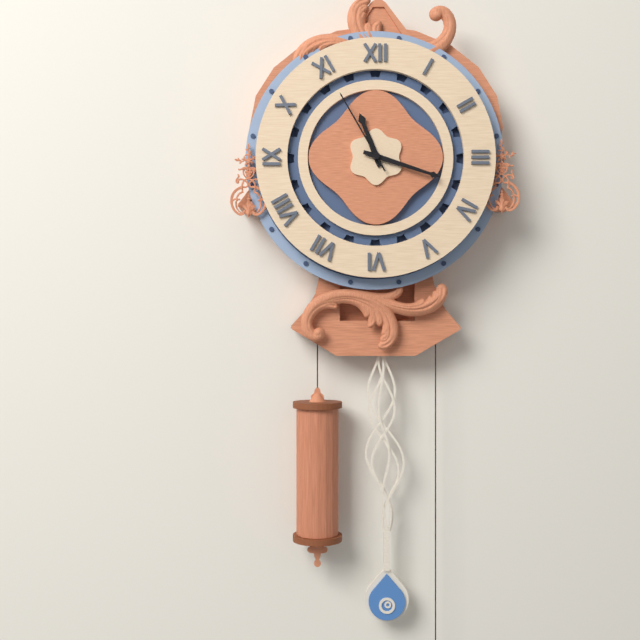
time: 11:18:55
